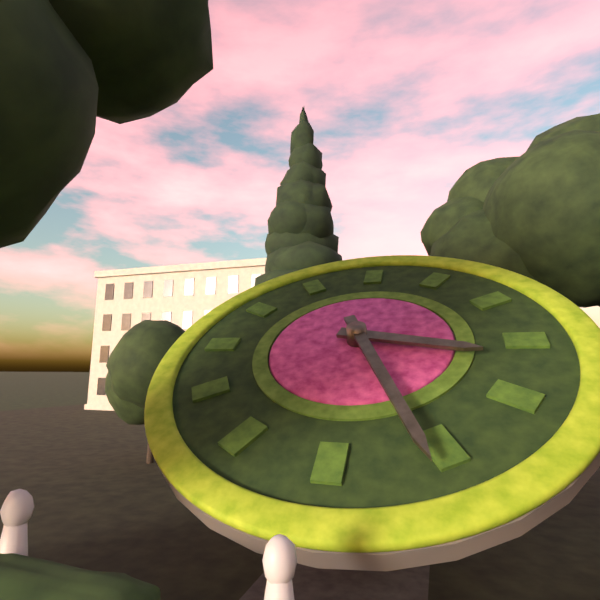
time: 3:26
